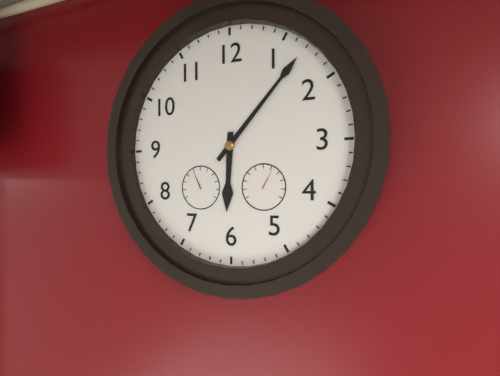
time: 6:07
